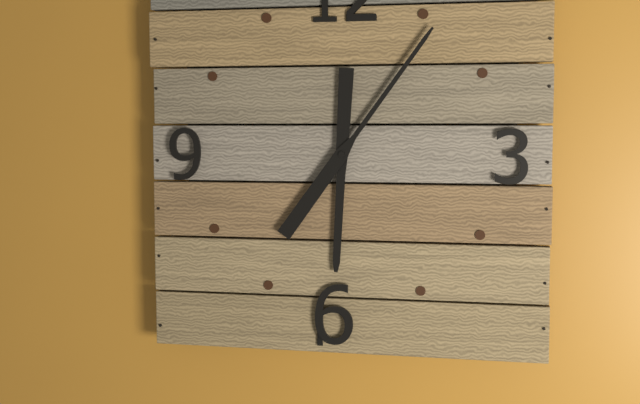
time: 6:06
